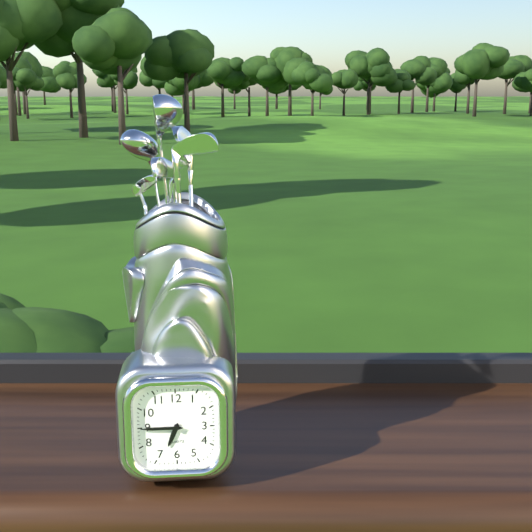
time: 6:45
